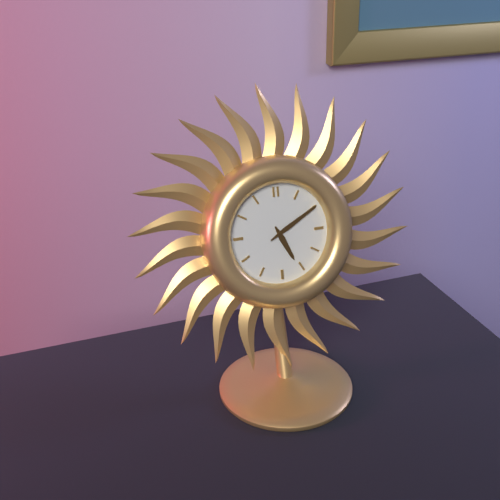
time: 5:10
